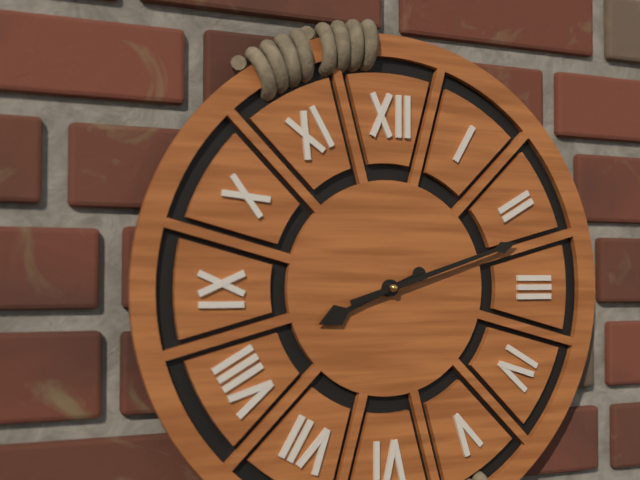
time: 8:12
